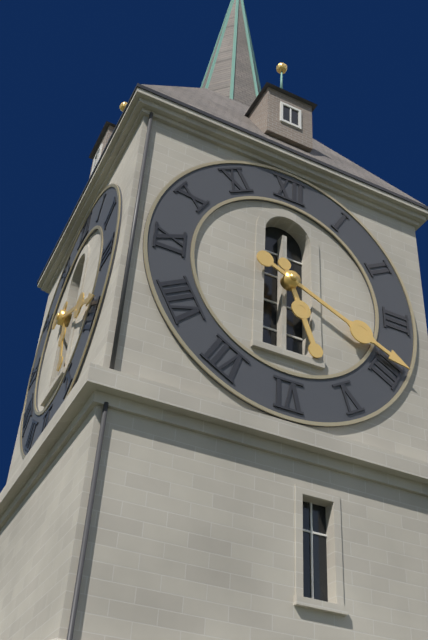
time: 5:19
